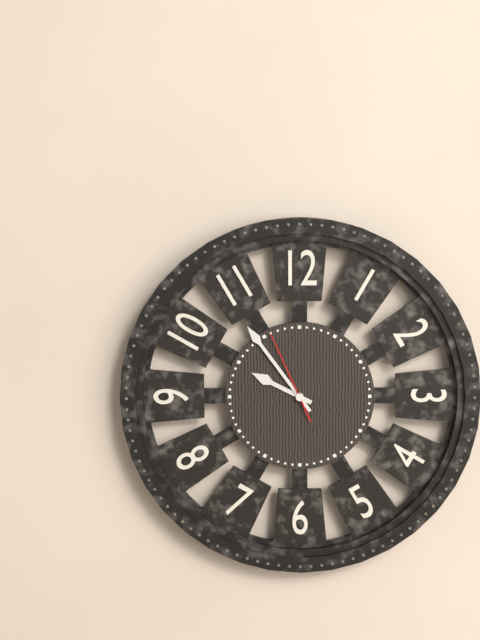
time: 9:54:56
